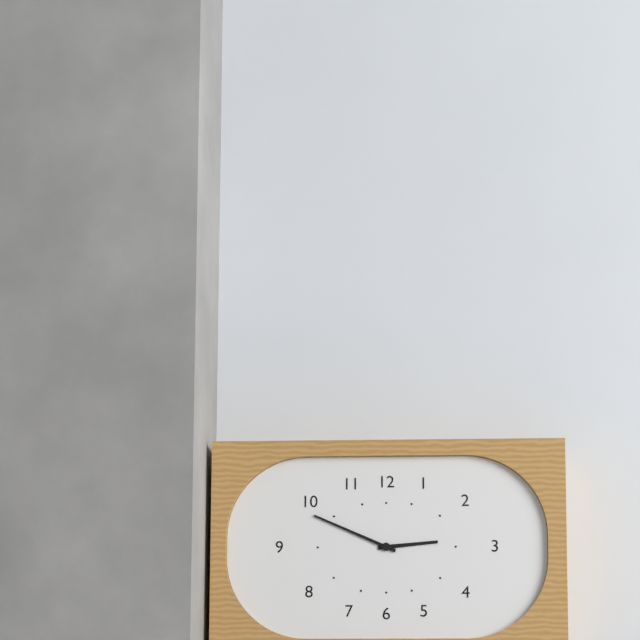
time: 2:49
